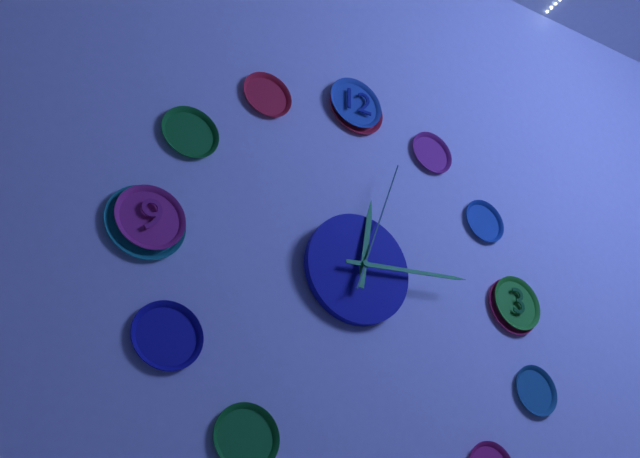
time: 12:14:03
